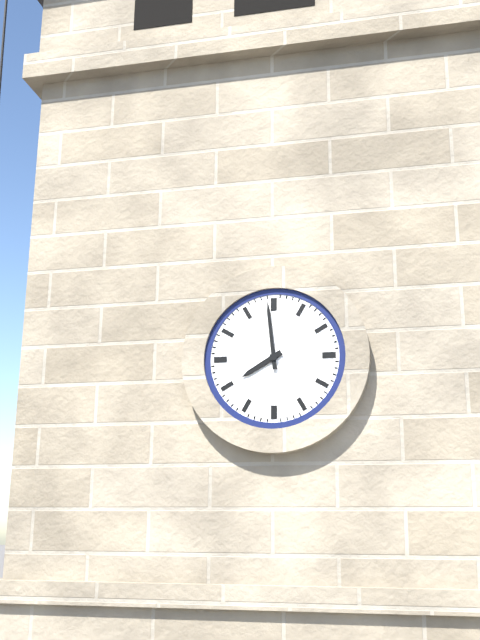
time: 7:59
